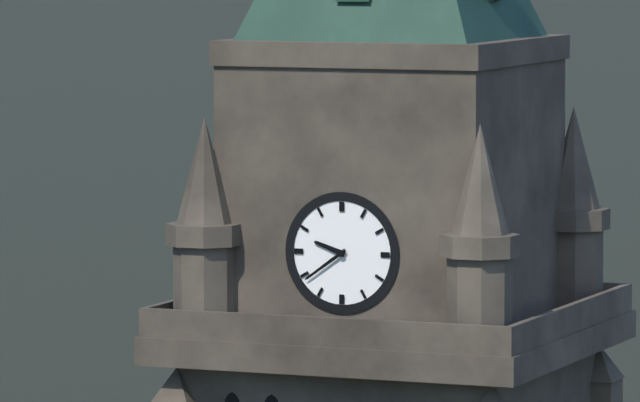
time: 9:39
